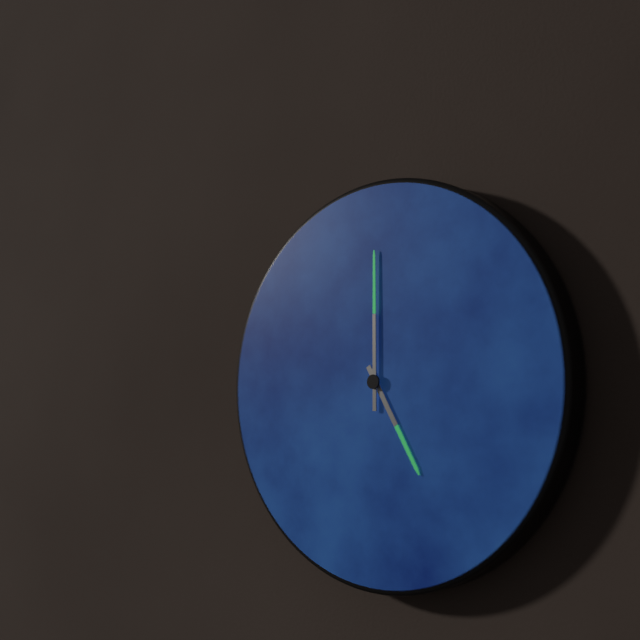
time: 5:00
